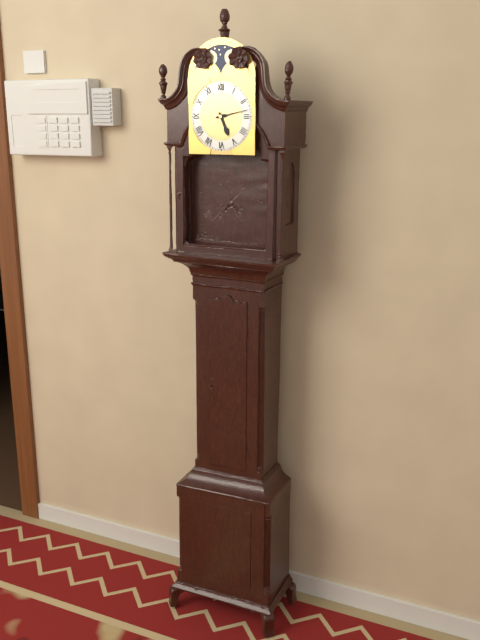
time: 5:13
